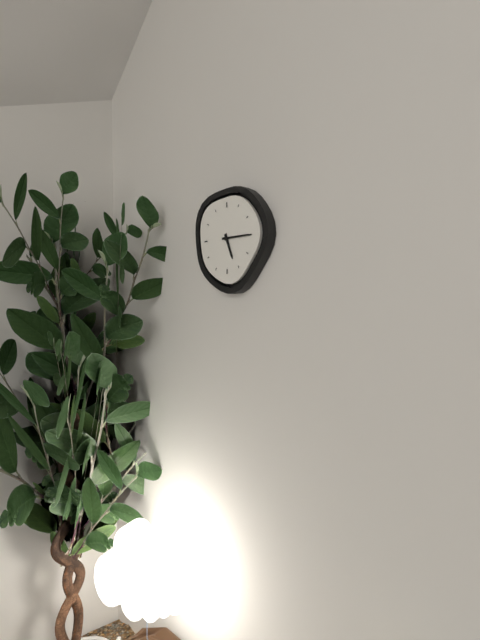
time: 5:15
